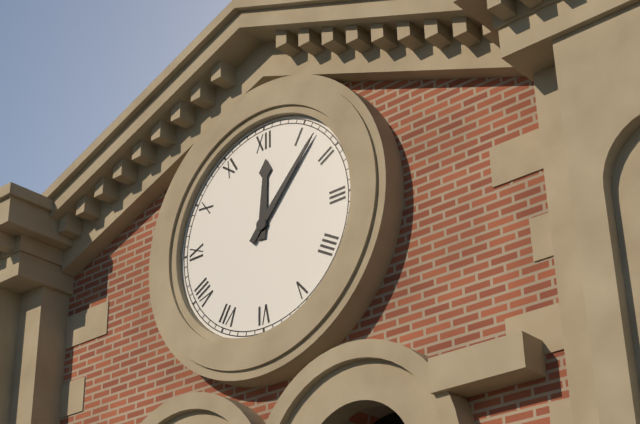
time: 12:07
